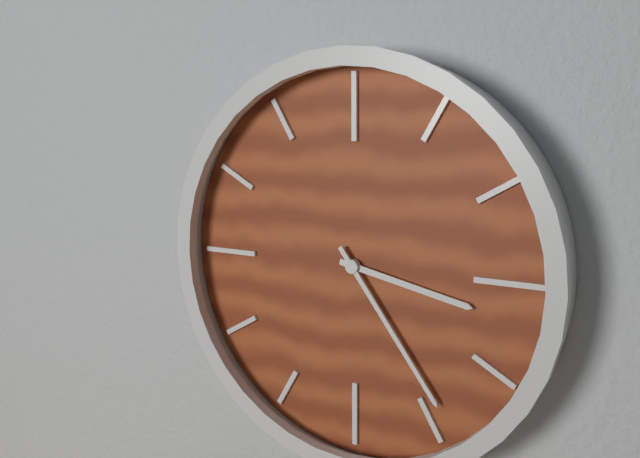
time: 3:24
